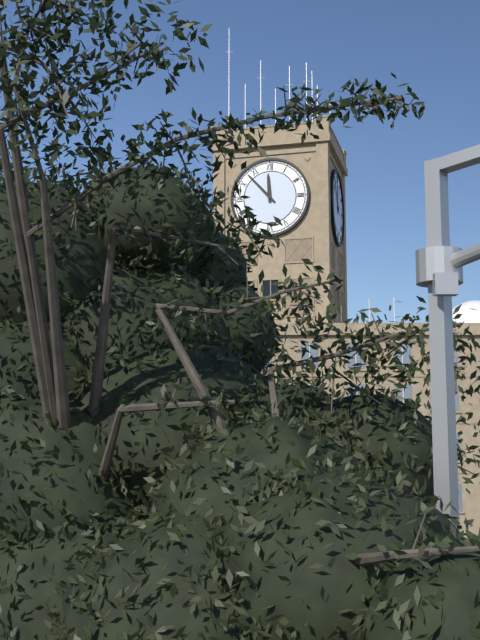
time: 11:53
